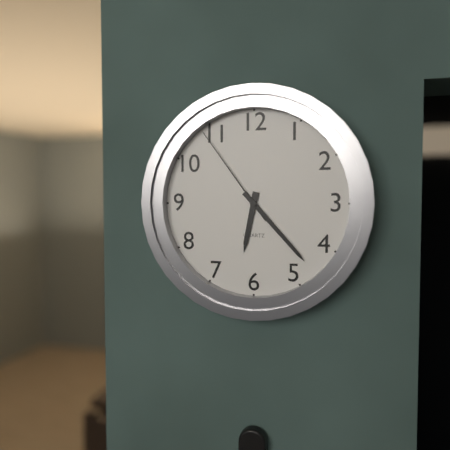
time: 6:23:54
